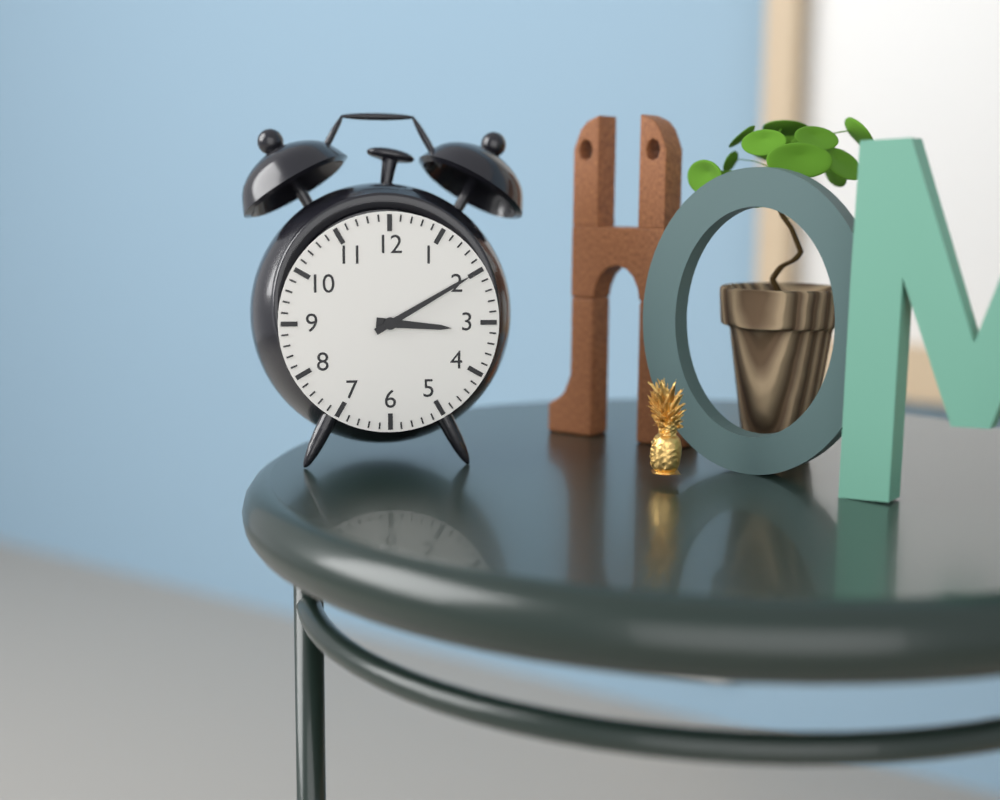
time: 3:10
